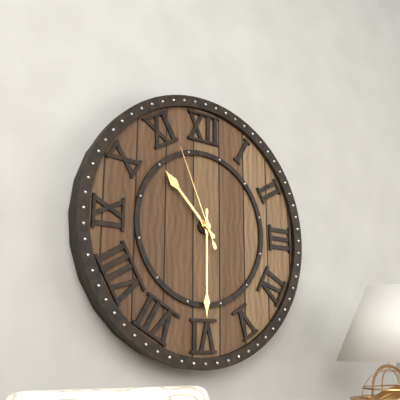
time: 10:30:56
